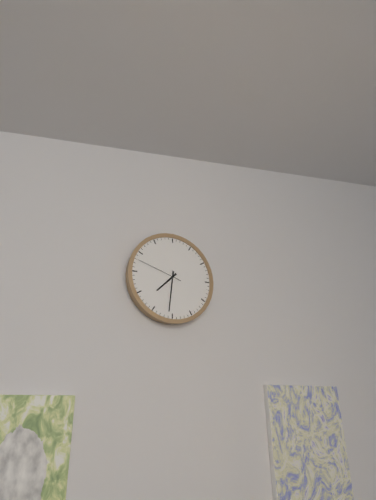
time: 7:31
